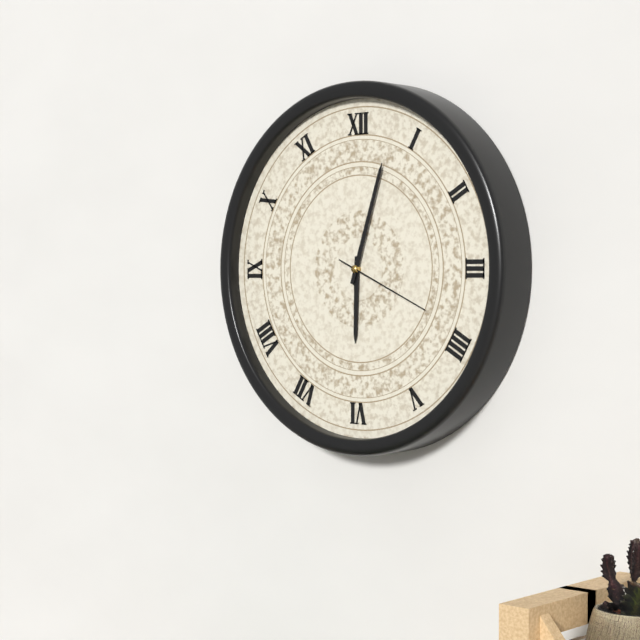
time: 6:03:19
